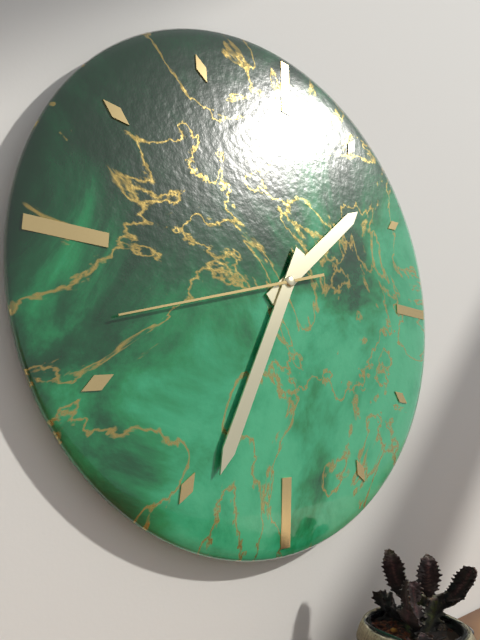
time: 1:34:42
